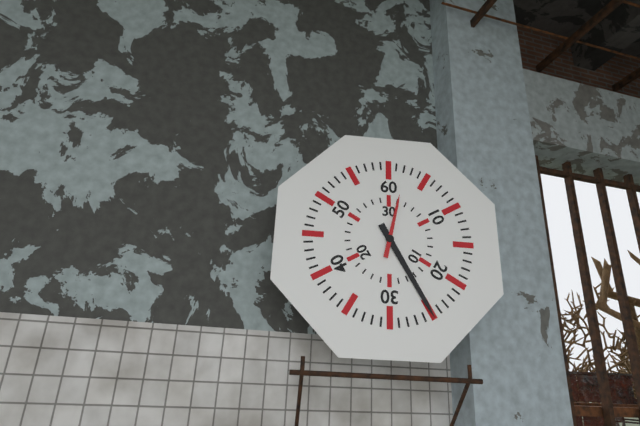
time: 12:25
